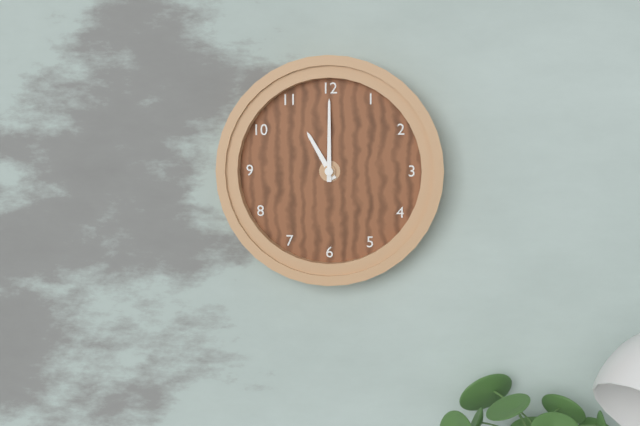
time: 11:00
